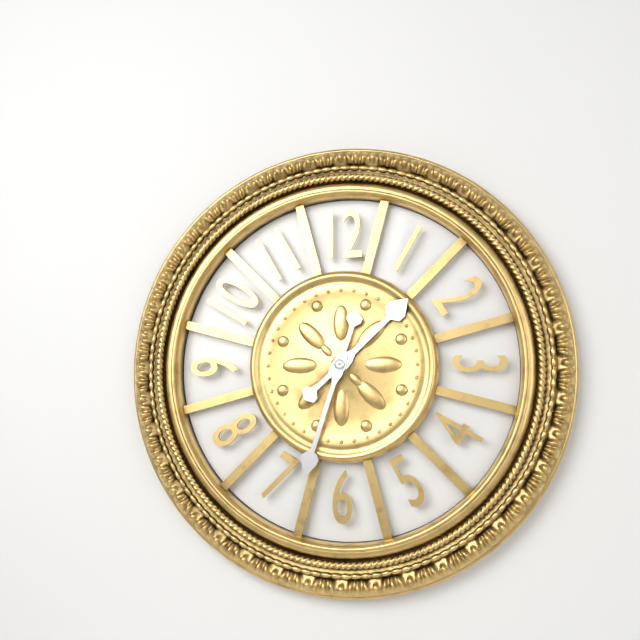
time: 1:33
